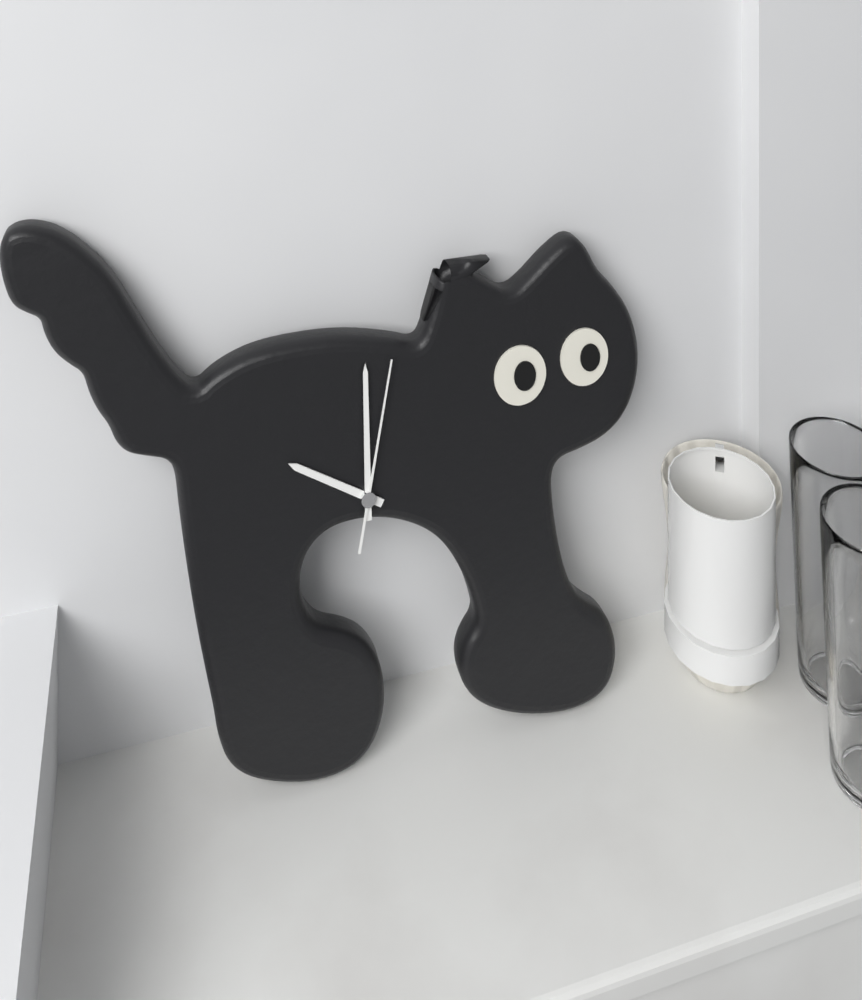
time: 10:00:02
